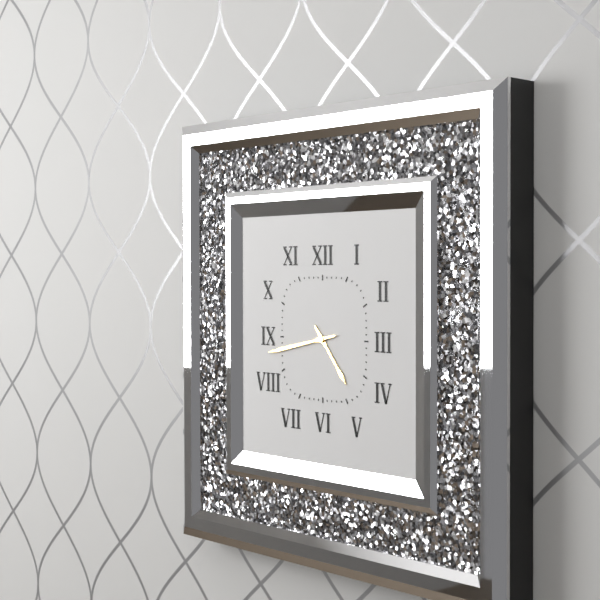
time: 4:43
